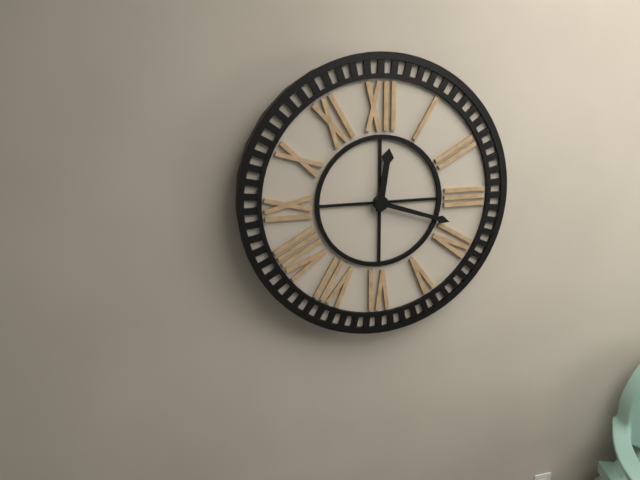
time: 12:18
